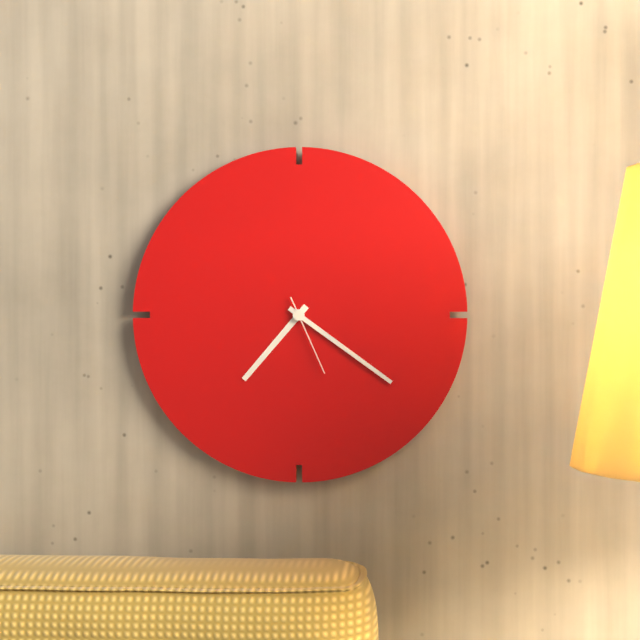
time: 7:21:26
